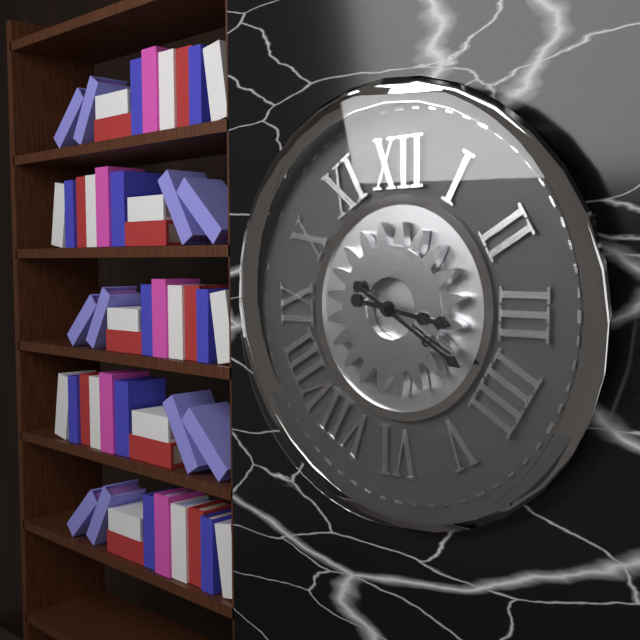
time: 3:20
